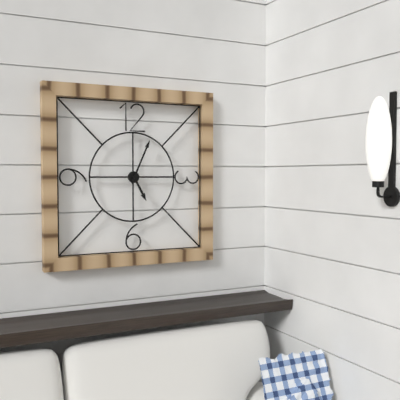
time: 5:04
